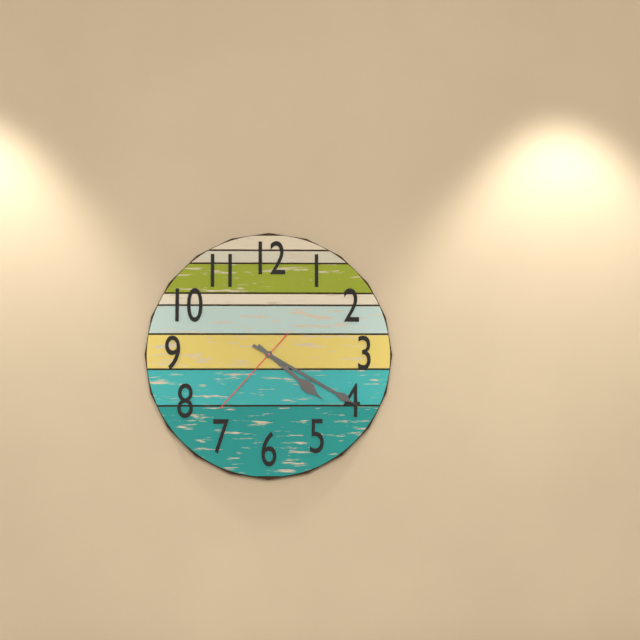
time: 4:20:37
